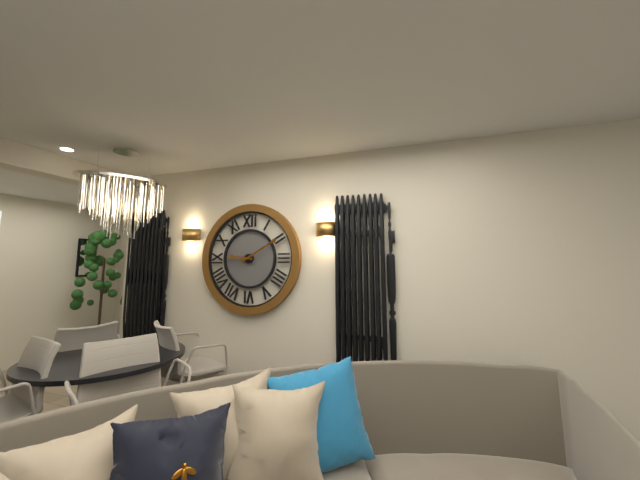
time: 9:10
